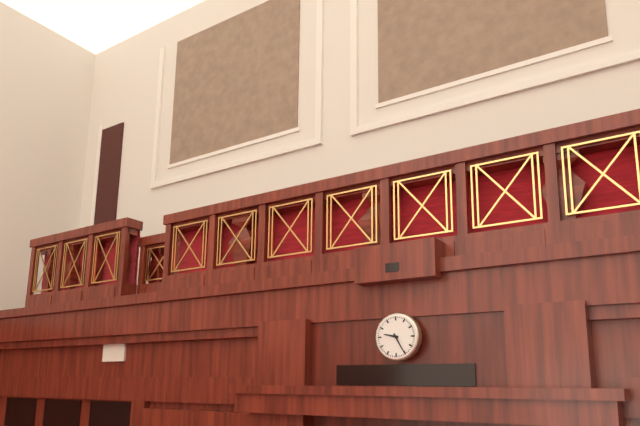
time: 9:25
